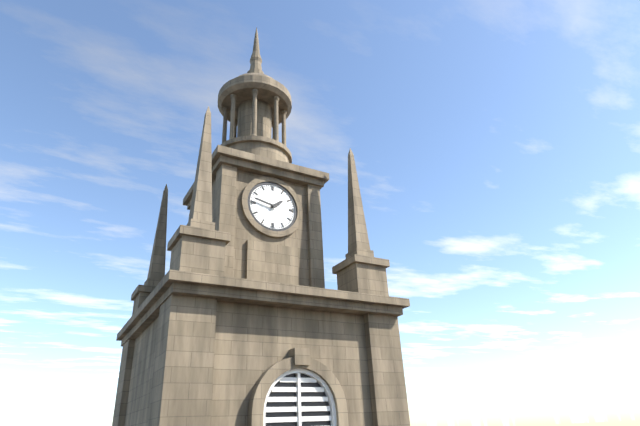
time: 1:47
